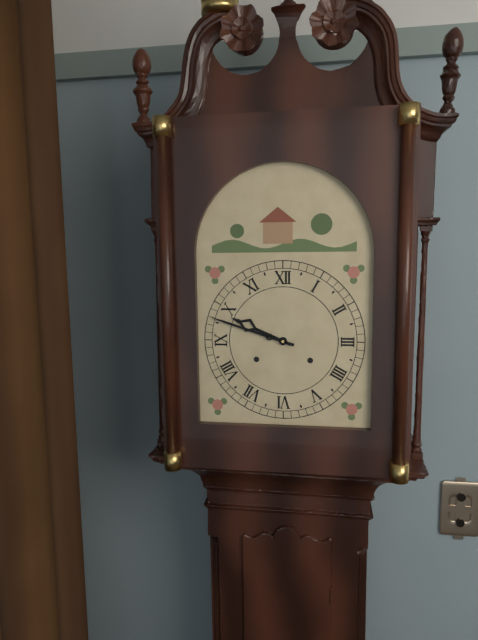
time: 9:48
